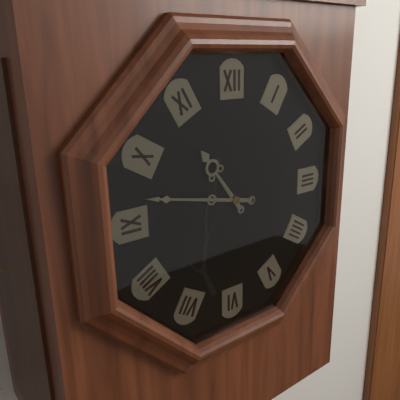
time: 10:47
